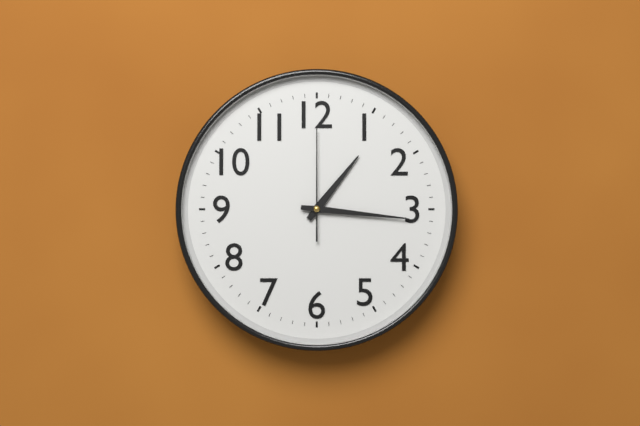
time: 1:16:00
